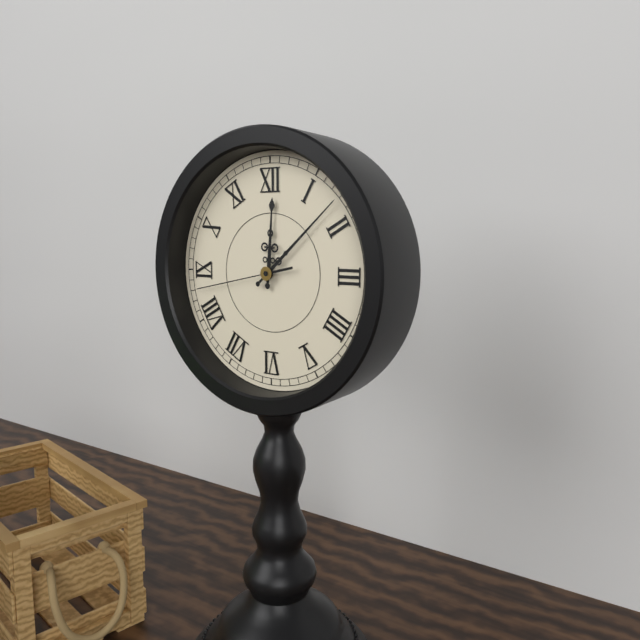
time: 12:08:43
